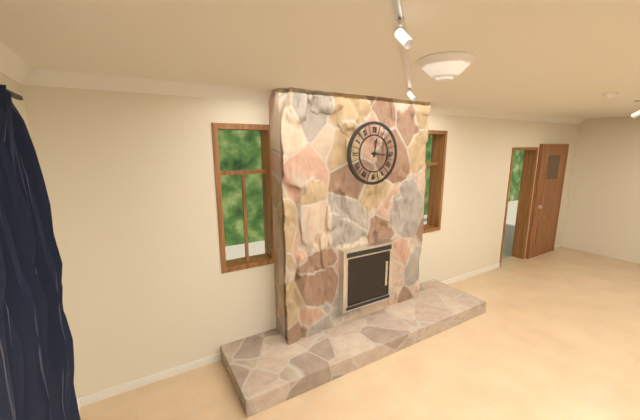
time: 12:16
